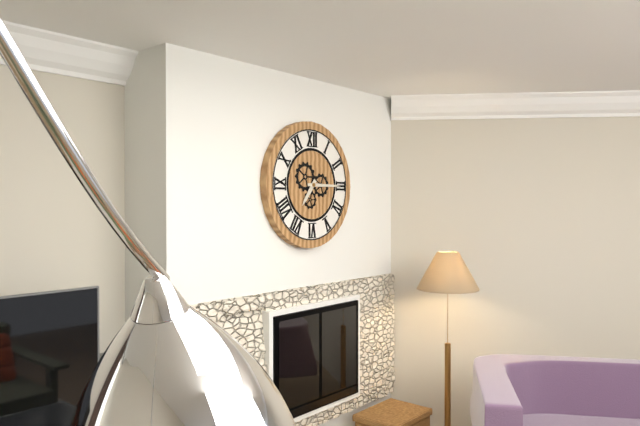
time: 7:15
